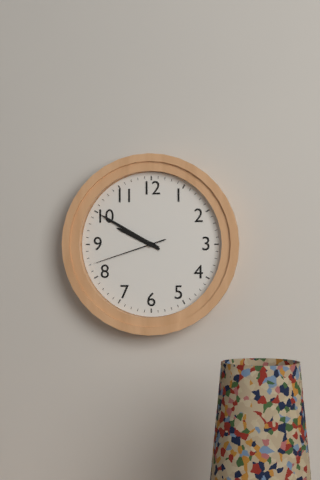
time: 9:50:42
